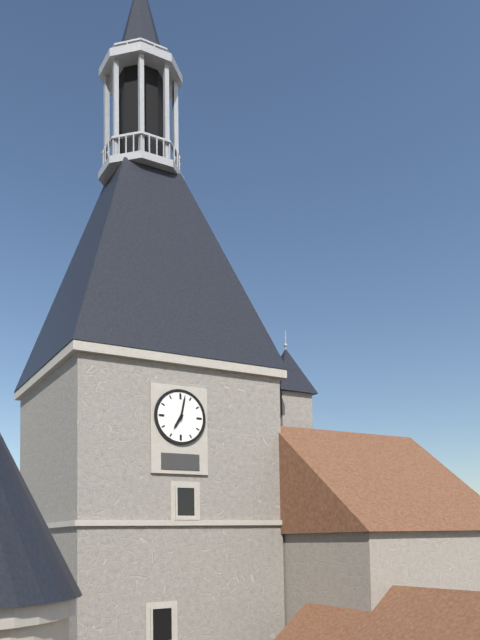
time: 7:02
